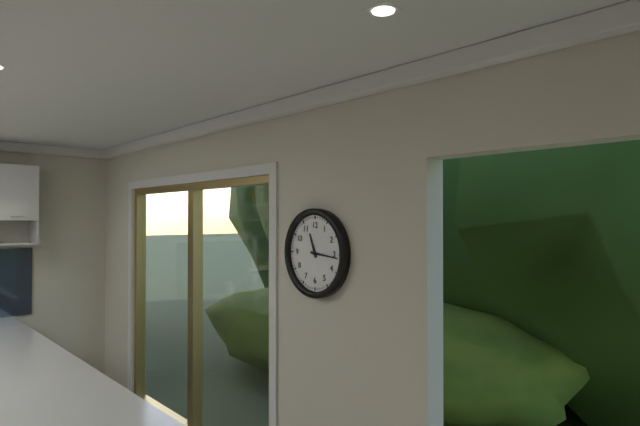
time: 11:16
